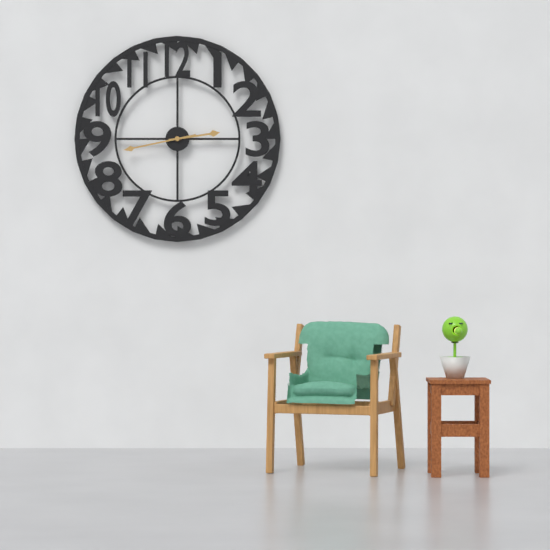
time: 2:43
